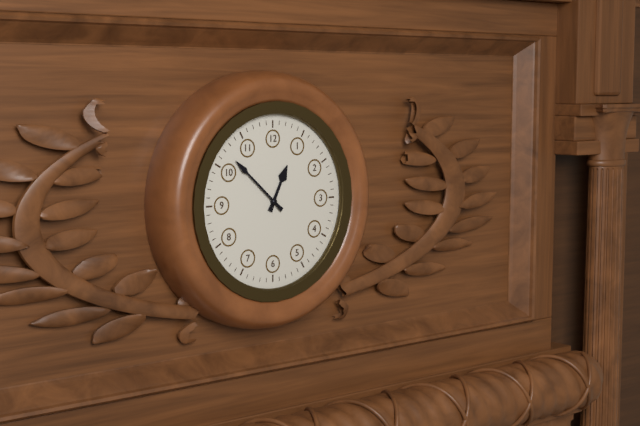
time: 12:52
